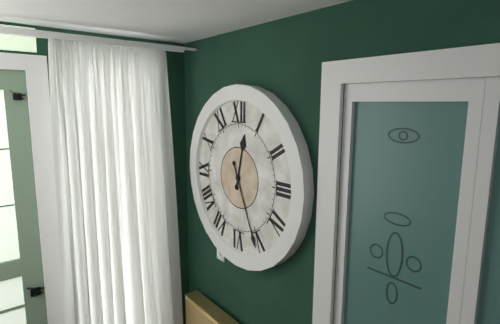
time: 12:26
